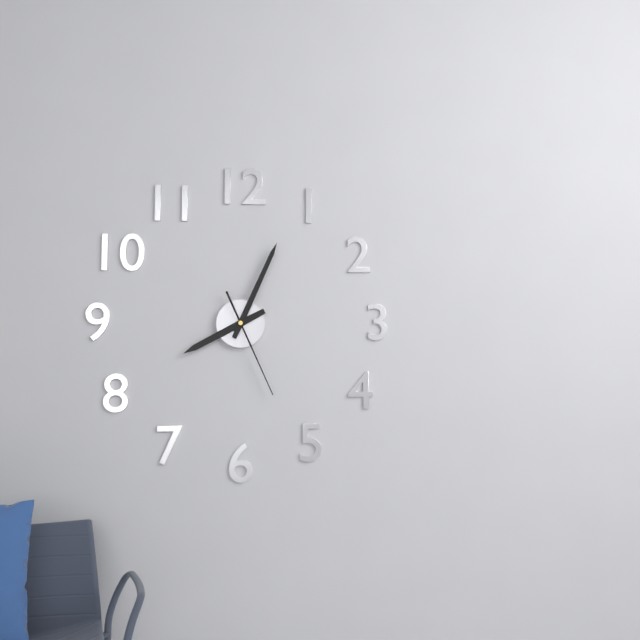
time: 8:04:26
